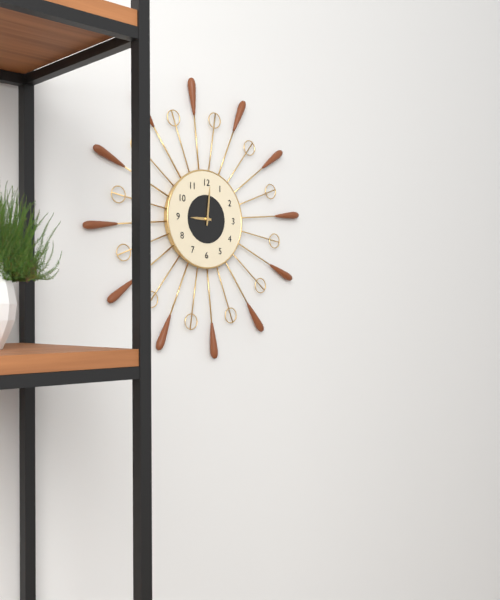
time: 9:01
